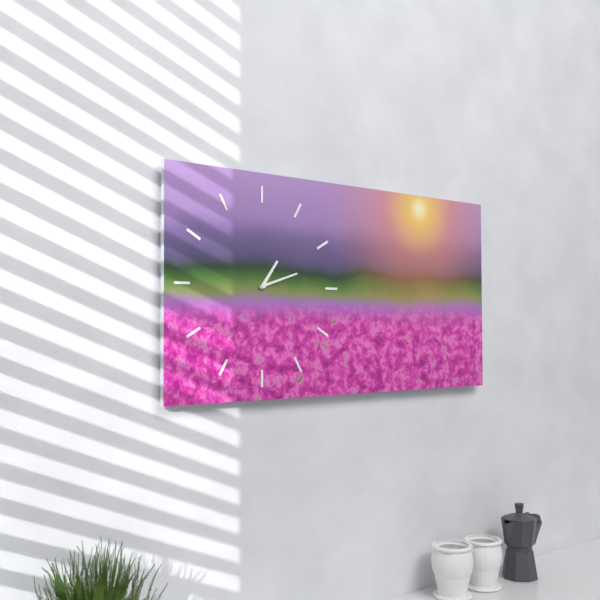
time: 1:12
